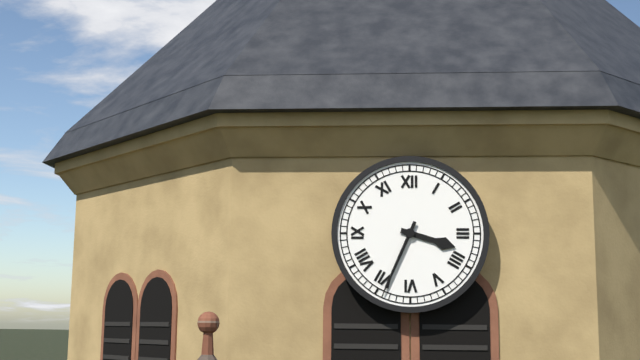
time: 3:34
